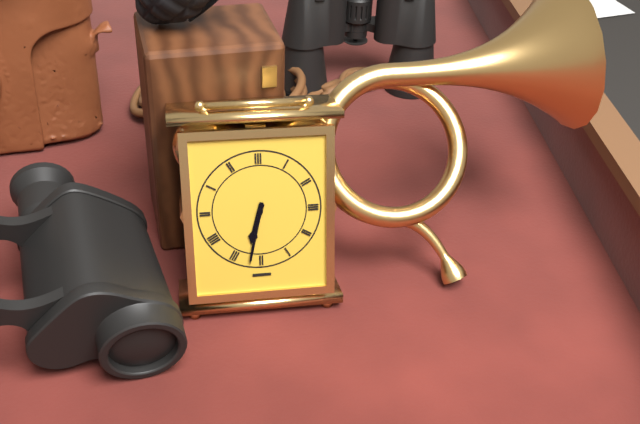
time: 6:32
